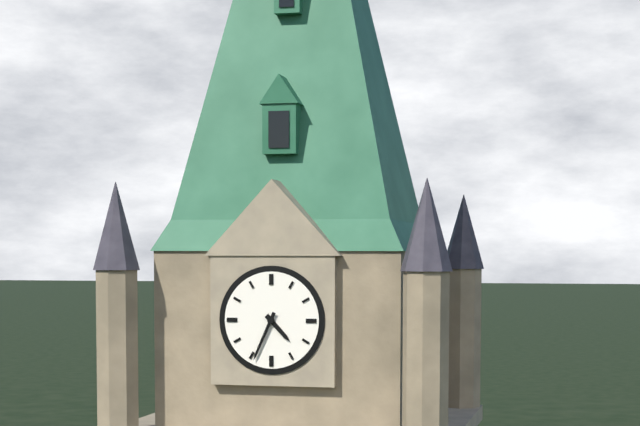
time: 4:34
